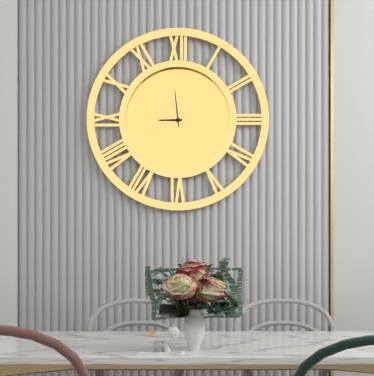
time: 8:59
